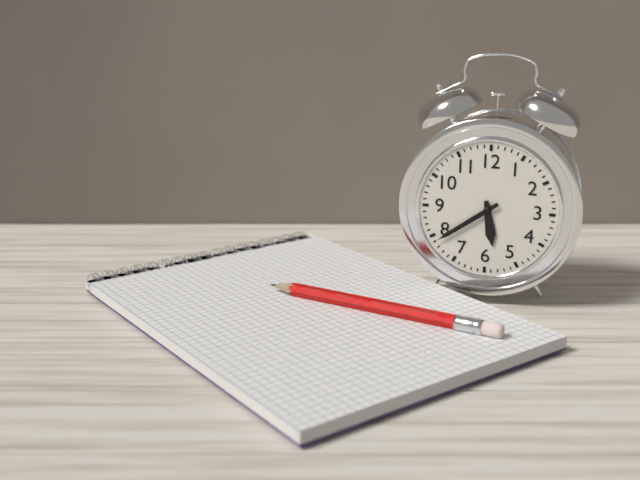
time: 5:39
